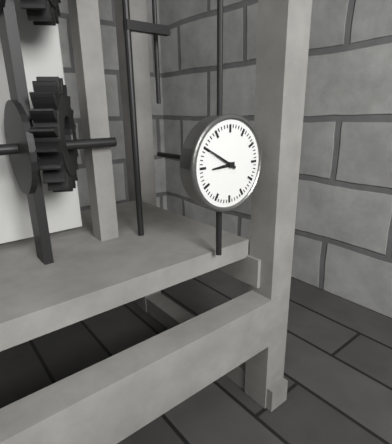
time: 8:50
